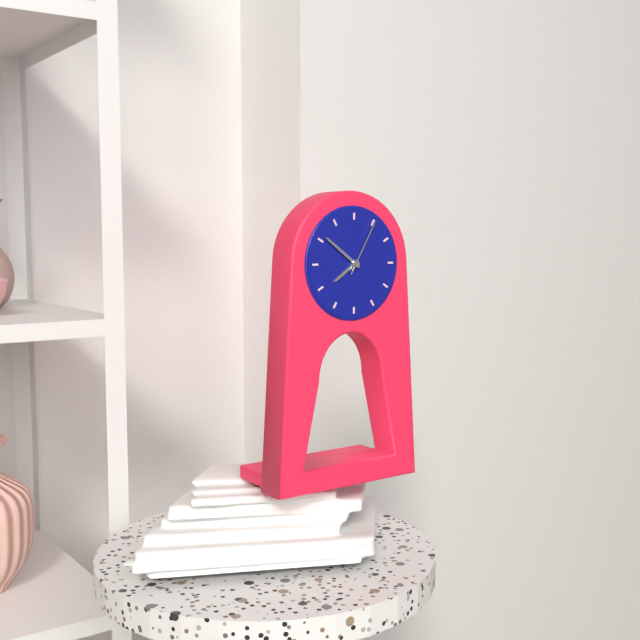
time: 7:51:05
